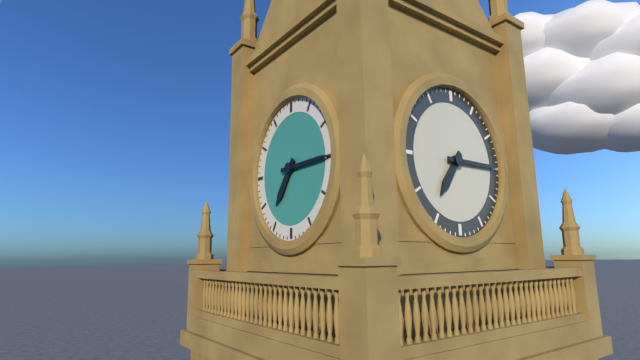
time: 7:15
